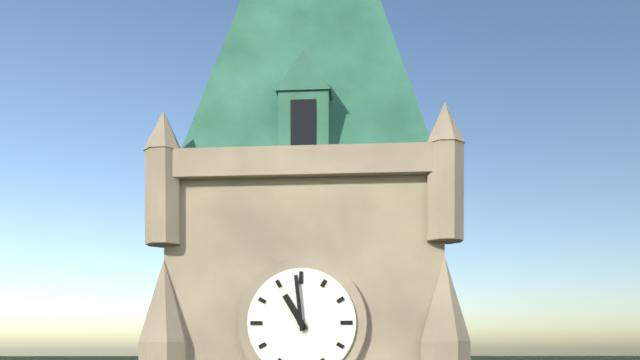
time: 10:59
